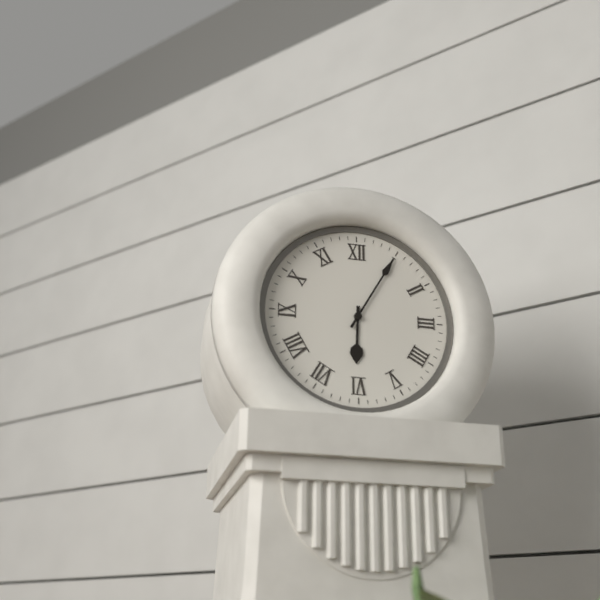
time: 6:05
